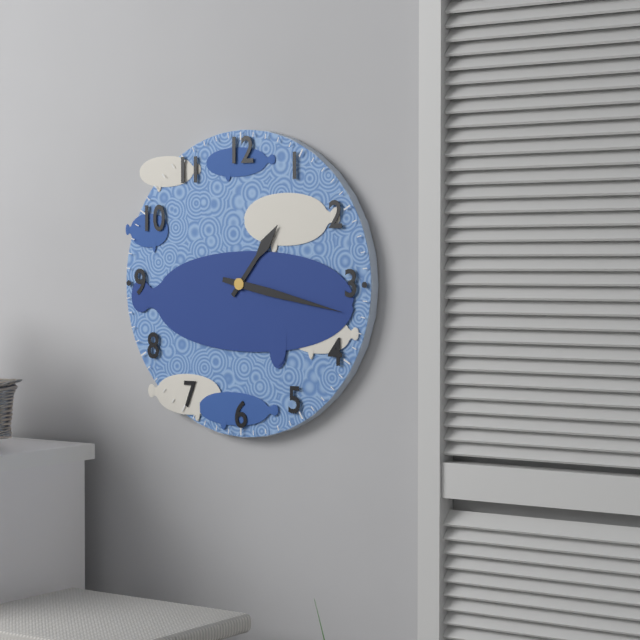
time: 1:17
